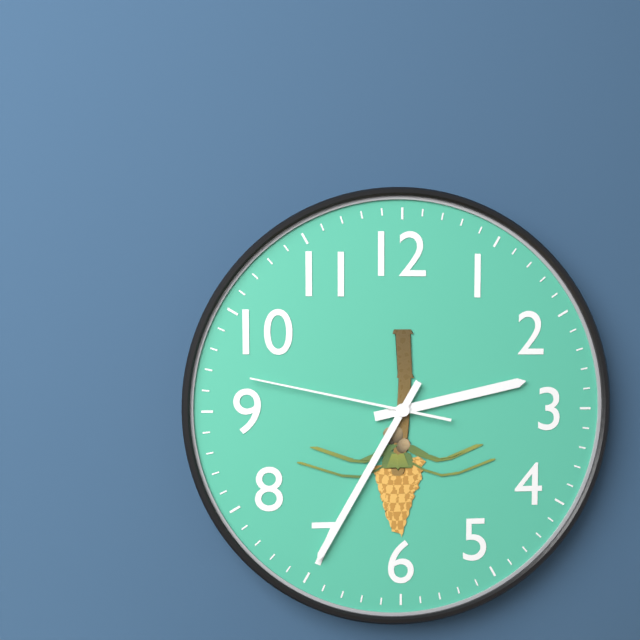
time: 2:35:47
